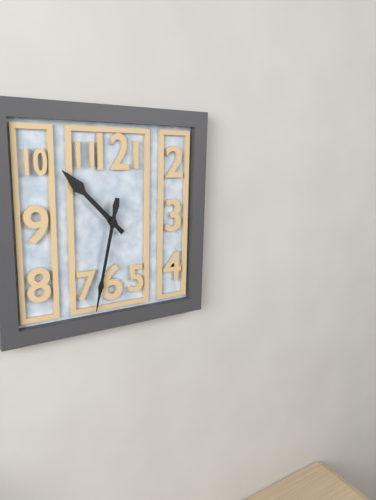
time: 10:32
